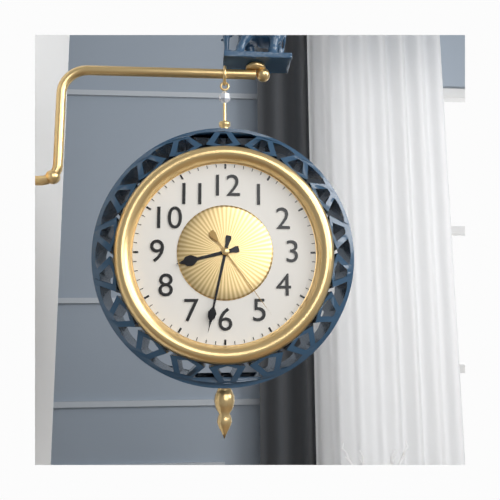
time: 8:32:24
